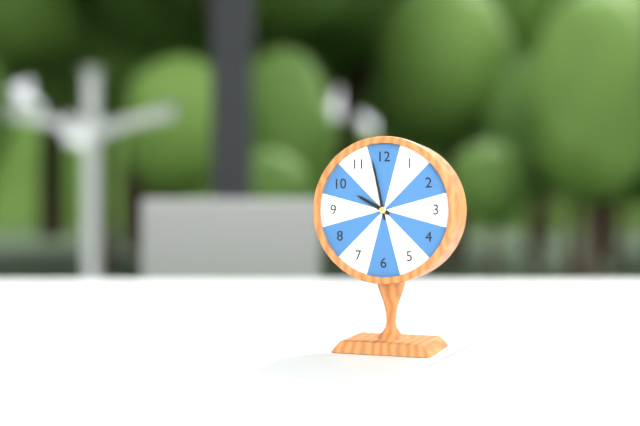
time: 9:58
